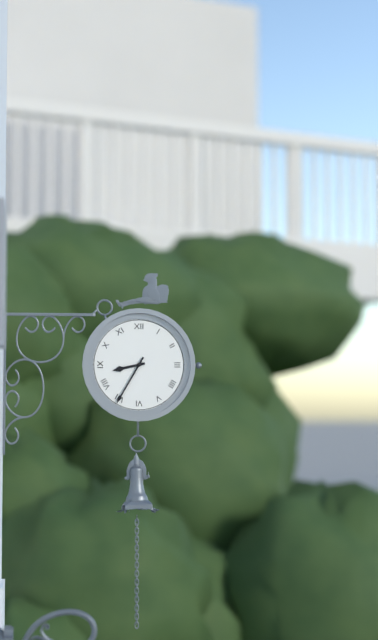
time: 8:35
